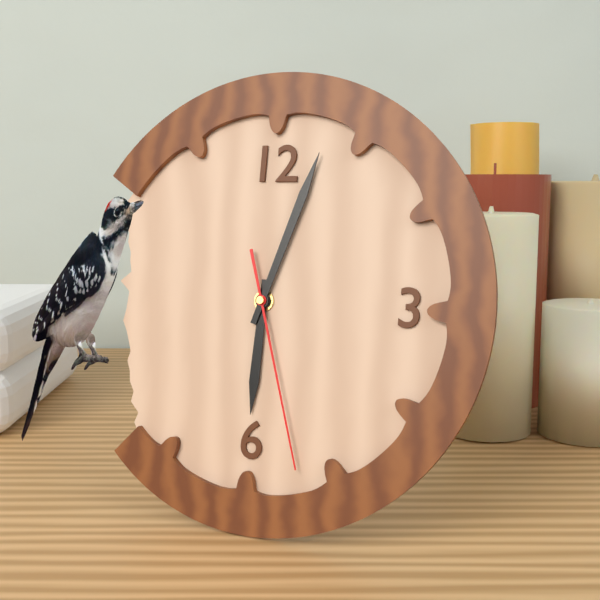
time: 6:03:27
